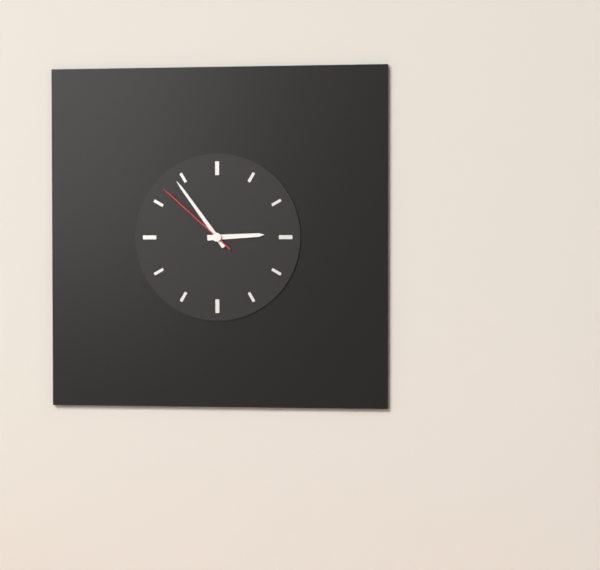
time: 2:54:52
